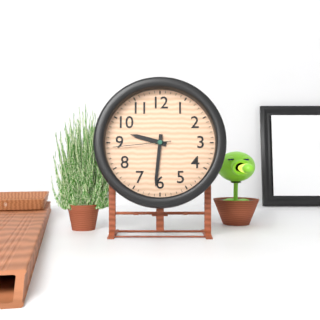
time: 9:31:44
